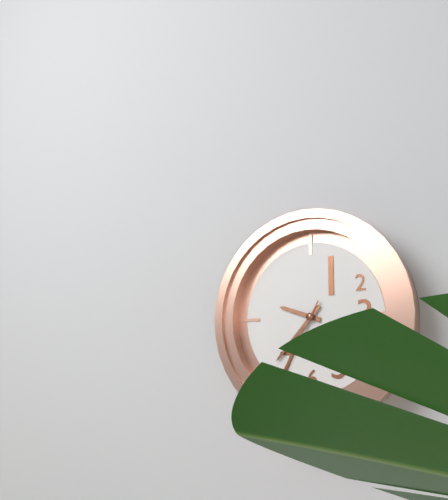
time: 9:37:35
